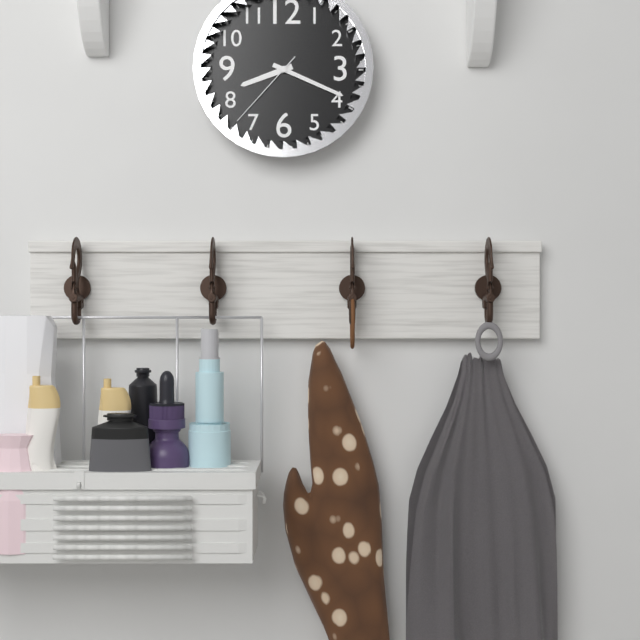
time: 8:19:37
